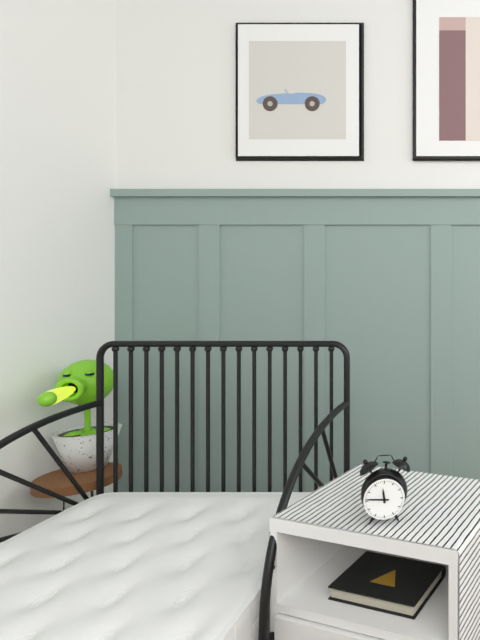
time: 11:46
